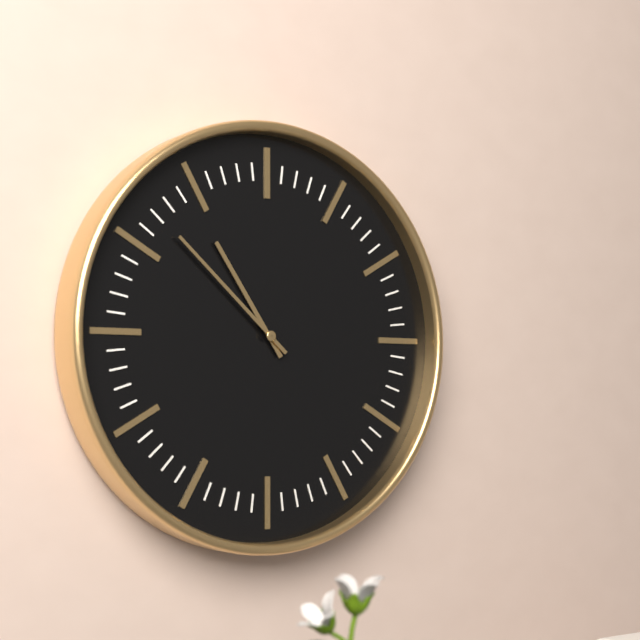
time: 10:52
